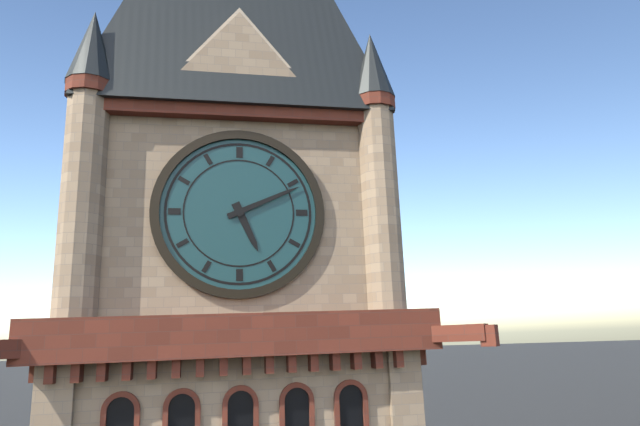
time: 5:11
